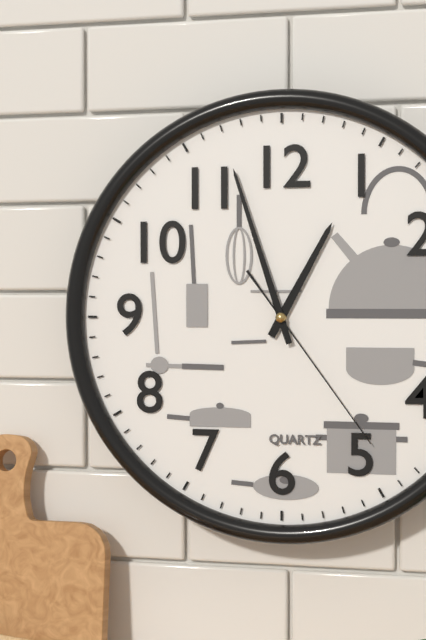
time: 12:57:24
